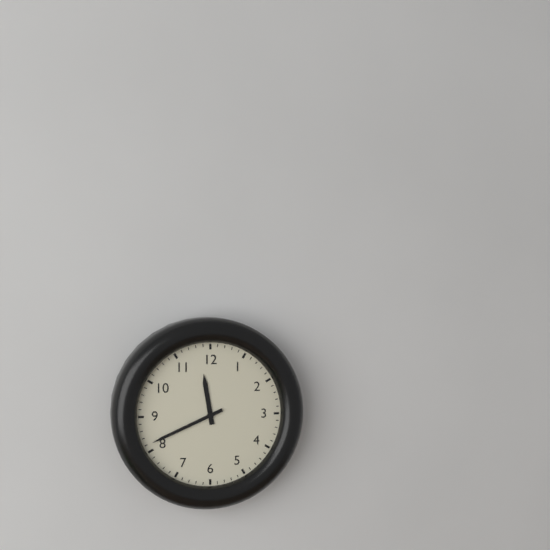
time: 11:41
